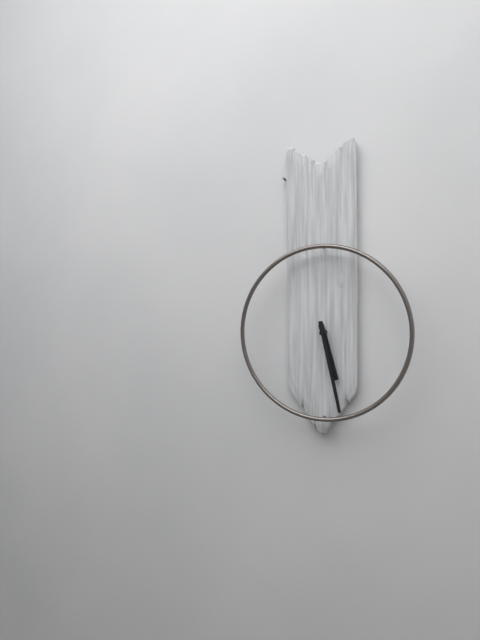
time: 5:28
